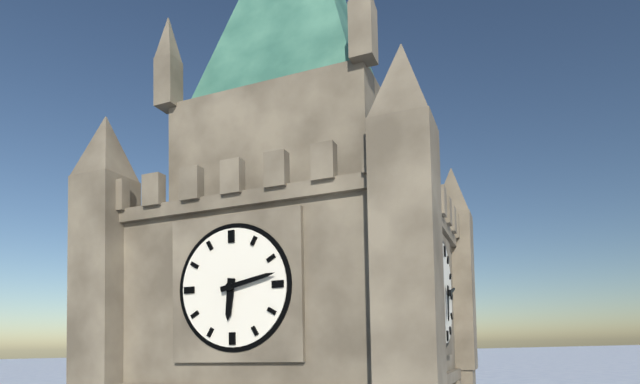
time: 6:13
